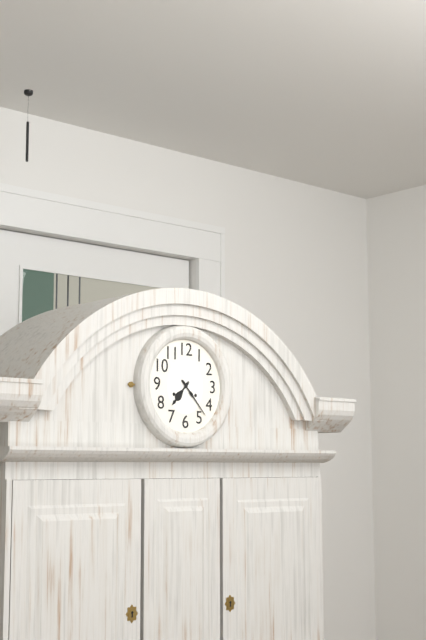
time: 7:23
